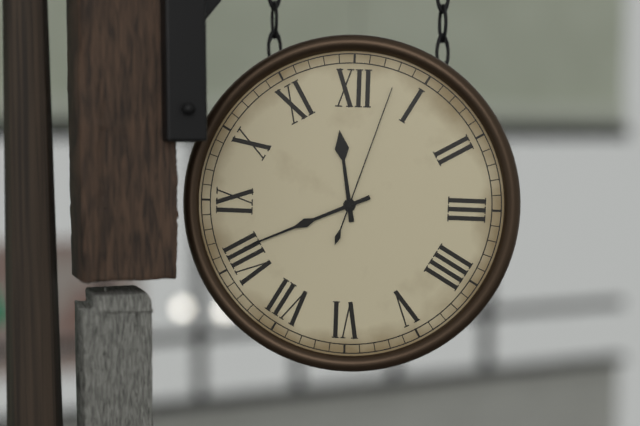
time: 11:41:03
